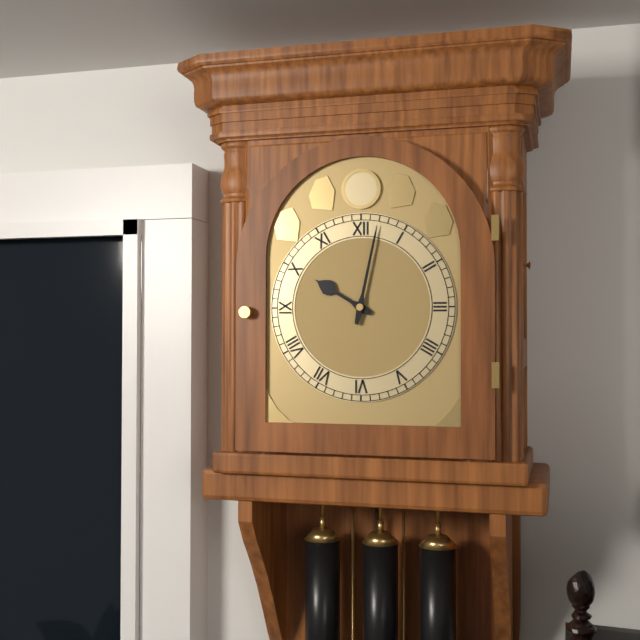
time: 10:02
